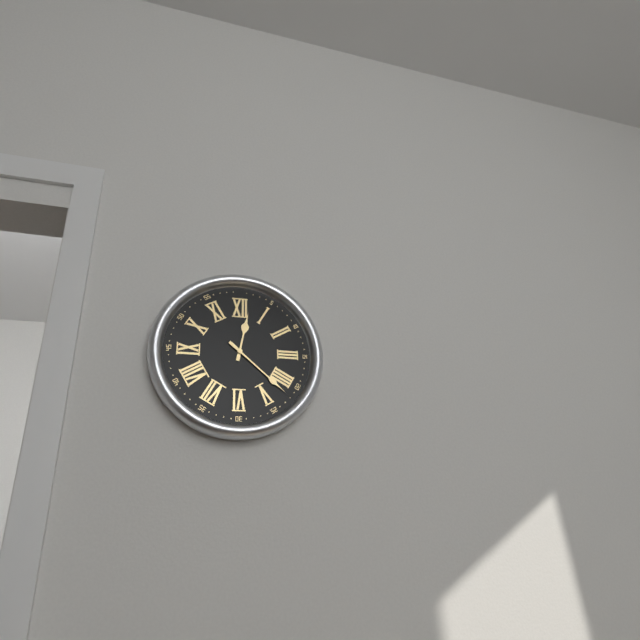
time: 12:22
